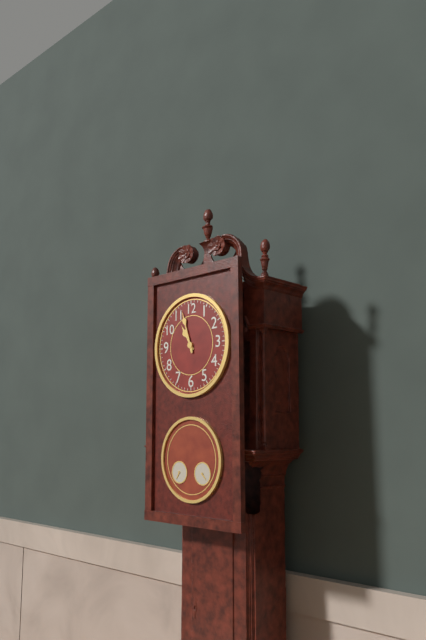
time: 10:57
